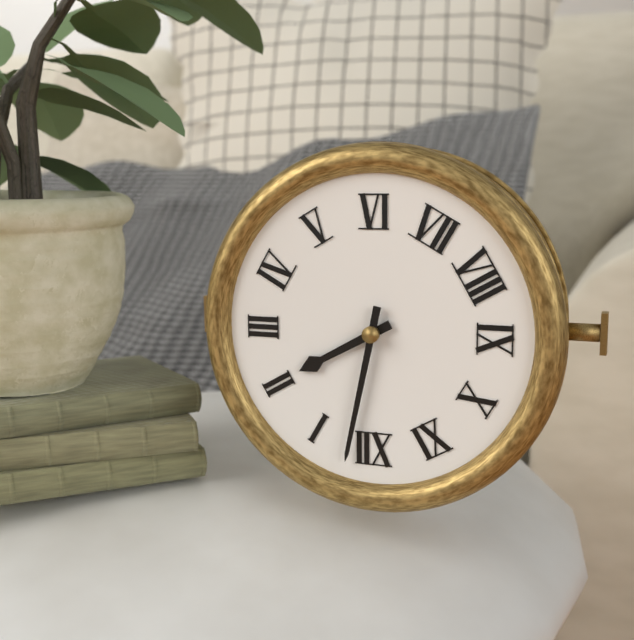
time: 2:02
